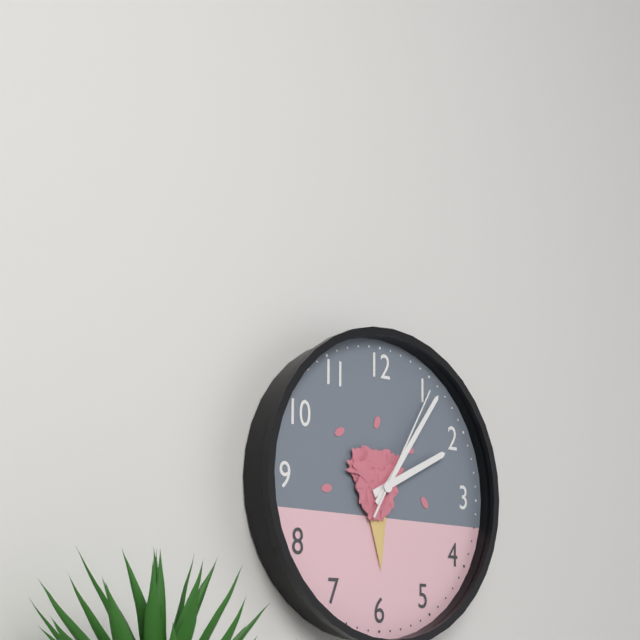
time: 2:06:05
